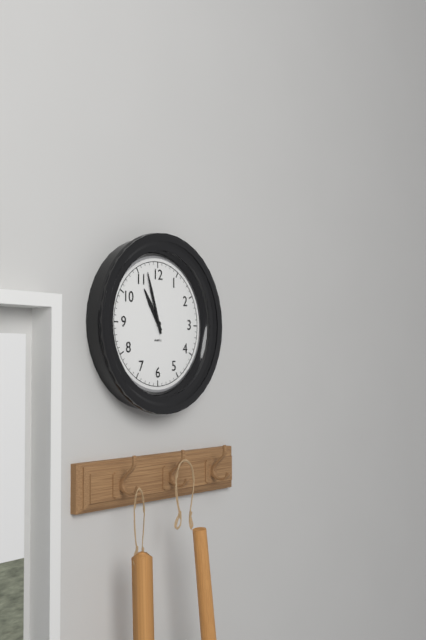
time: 10:57
